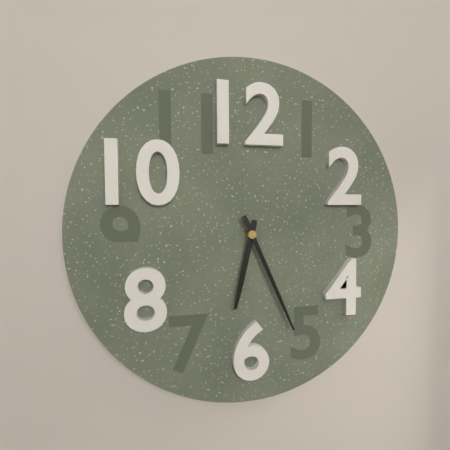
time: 6:26
